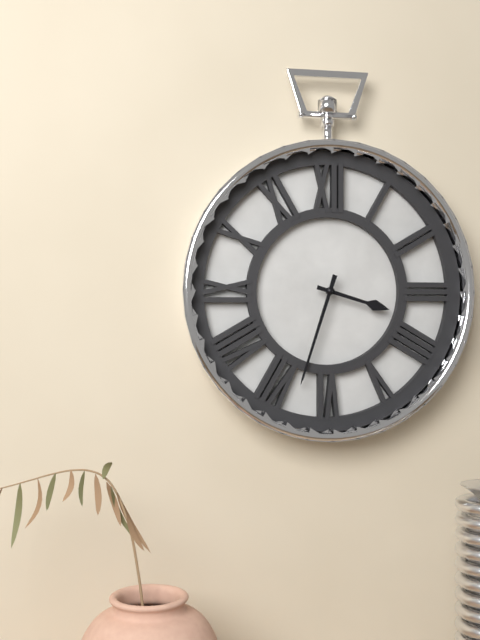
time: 3:33
